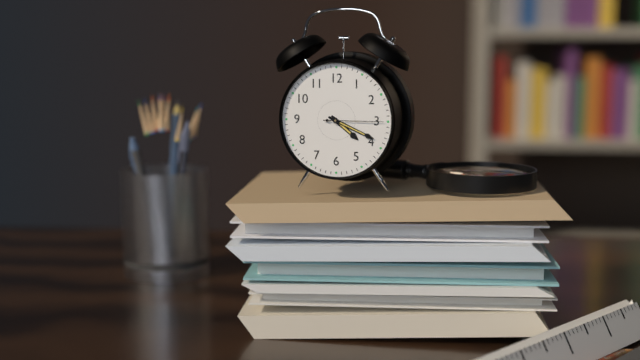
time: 4:19:15
